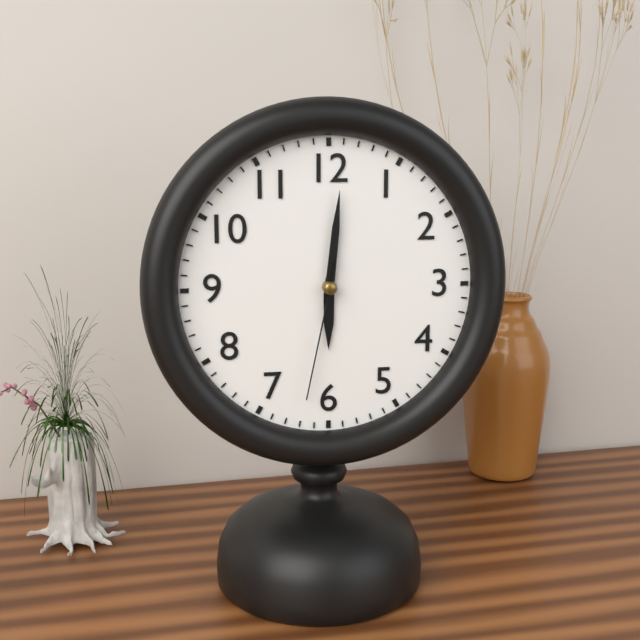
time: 6:01:32
